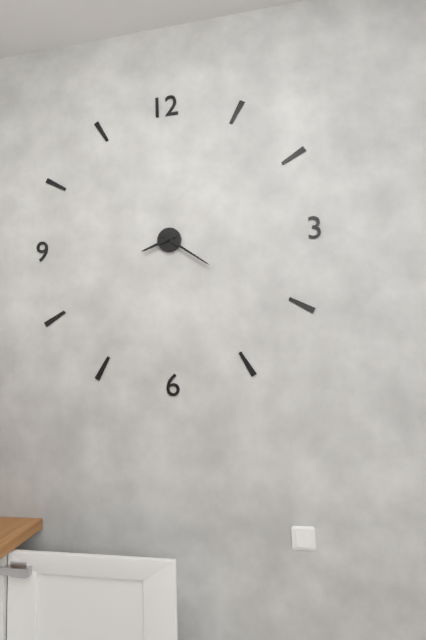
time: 8:21
